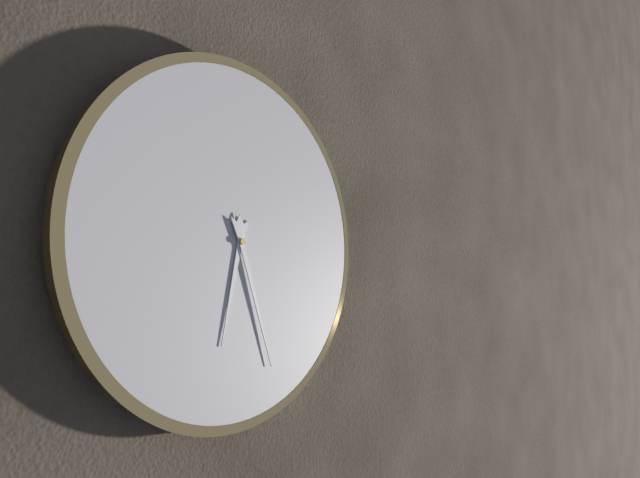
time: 6:27
